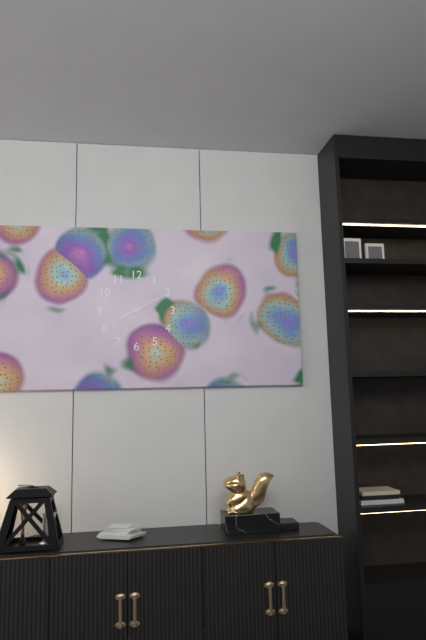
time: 8:10
